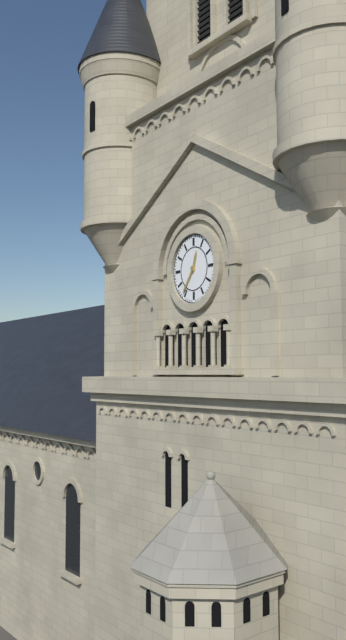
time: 12:36
